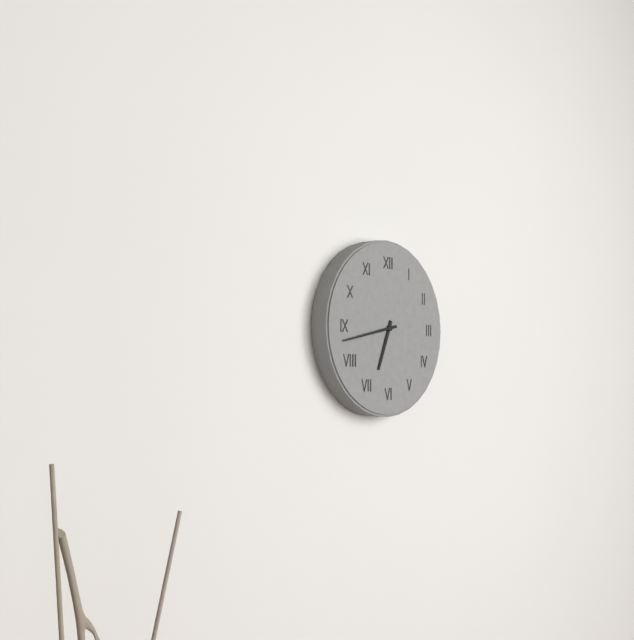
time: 6:43
